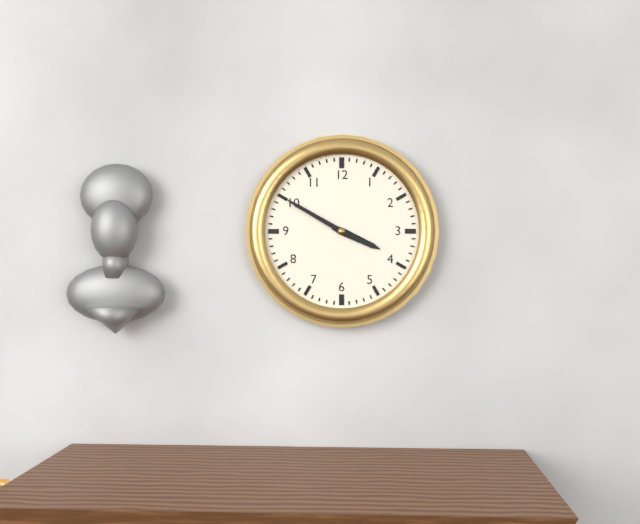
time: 3:50
